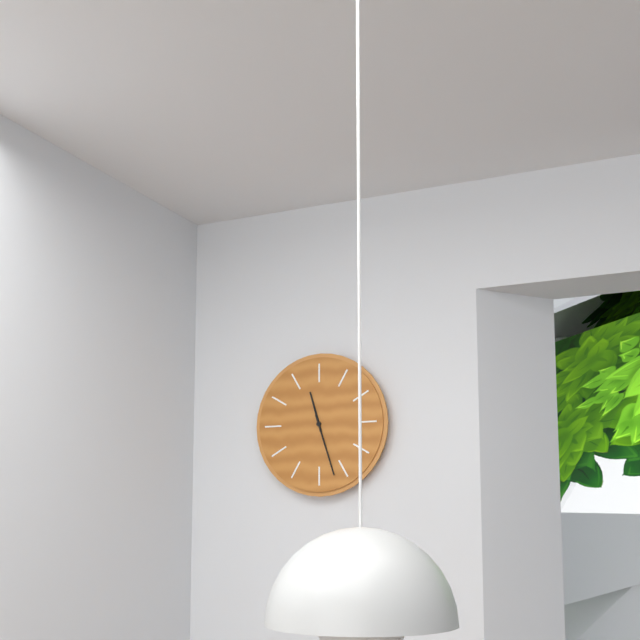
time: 11:27
